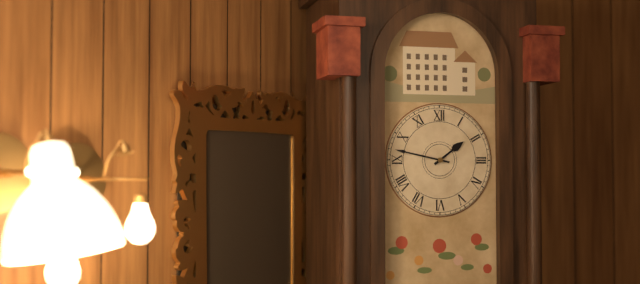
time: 1:47
